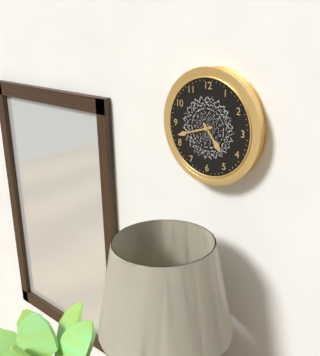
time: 4:42
